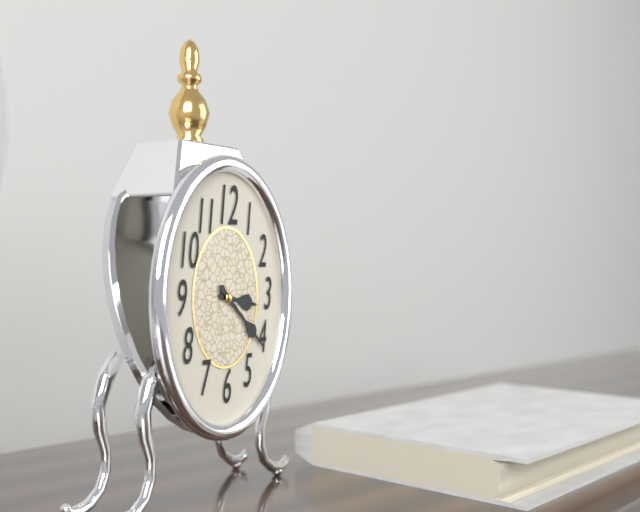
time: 3:22
